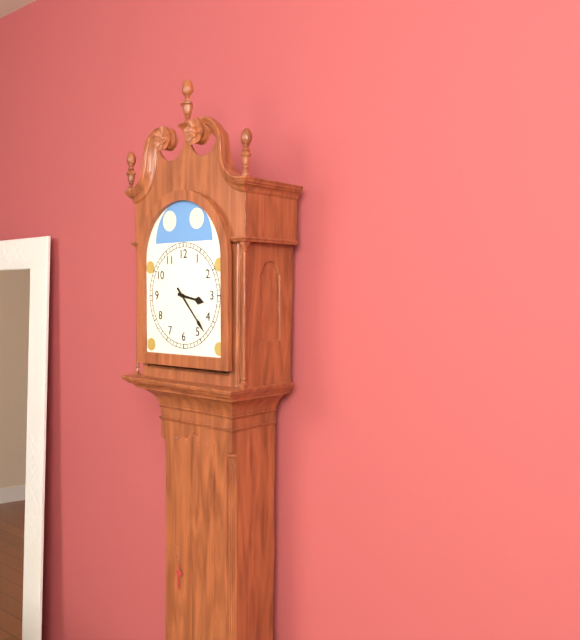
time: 3:23
